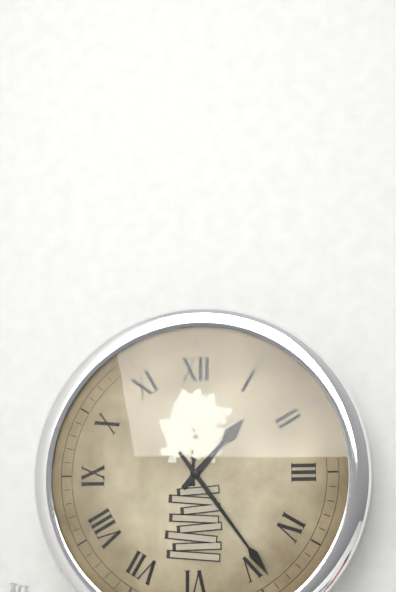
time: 1:24
